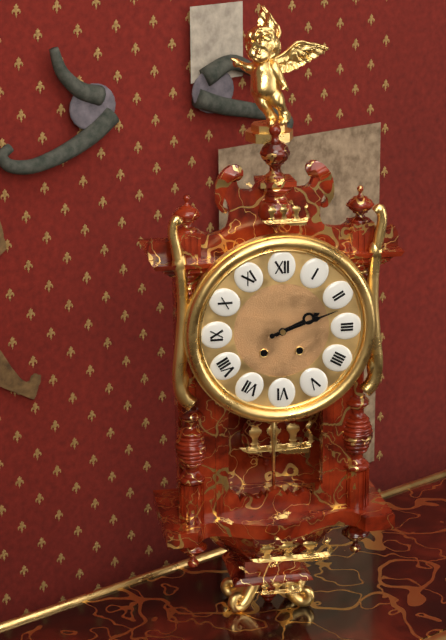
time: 2:12
